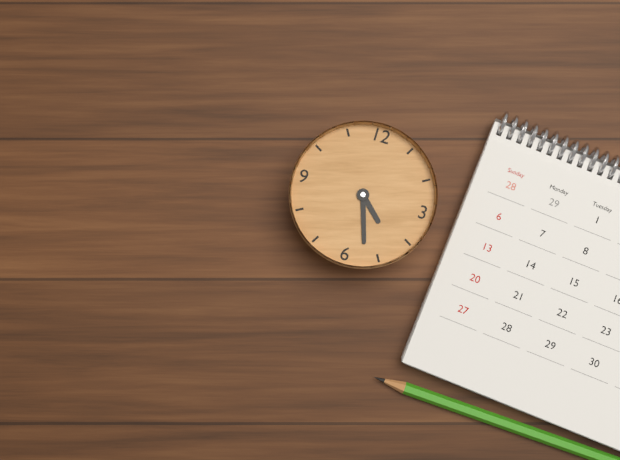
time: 4:27
